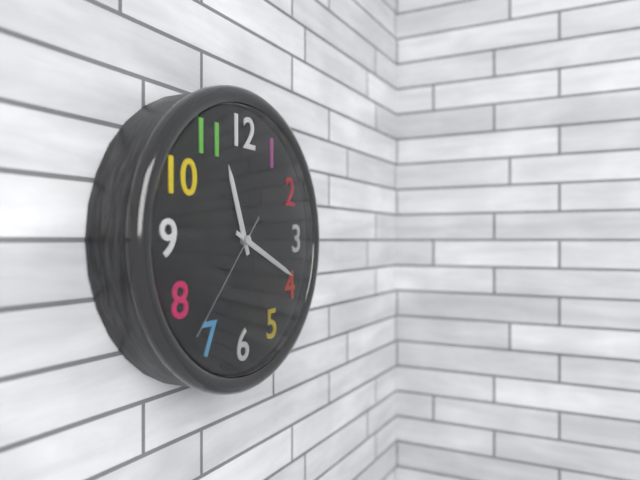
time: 11:19:37
